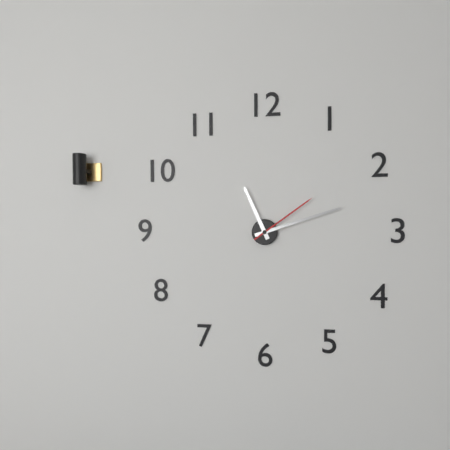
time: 11:12:09
